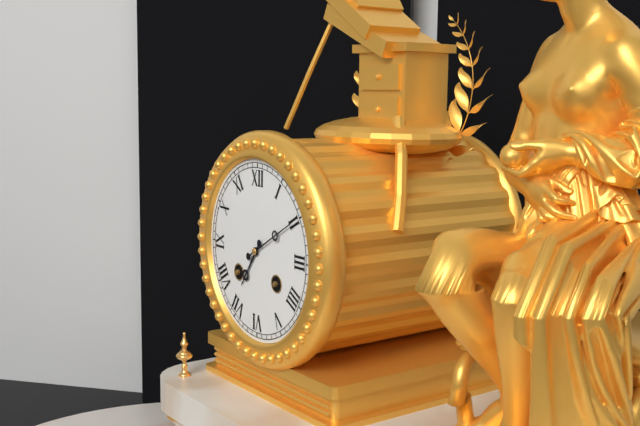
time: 7:10
